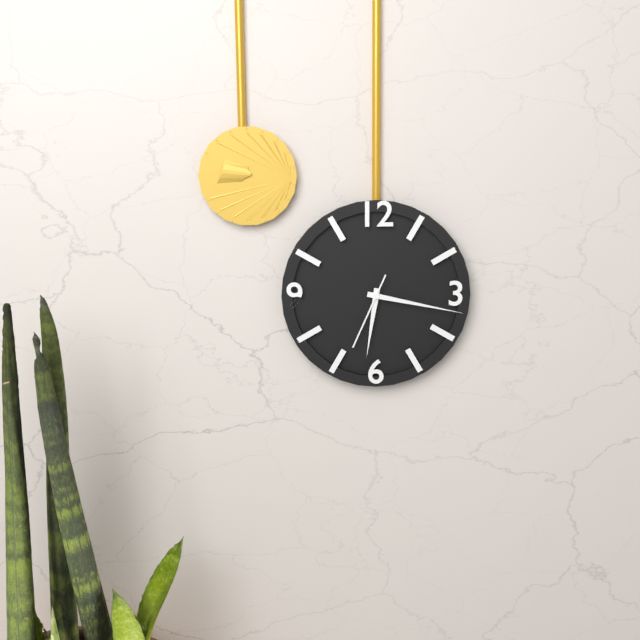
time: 6:17:34
